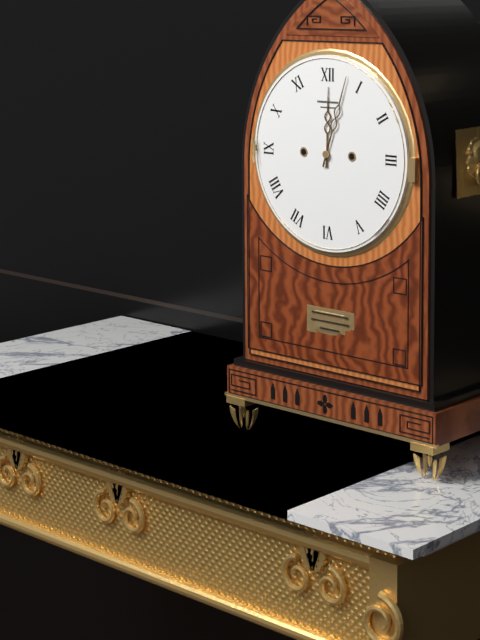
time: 12:03
